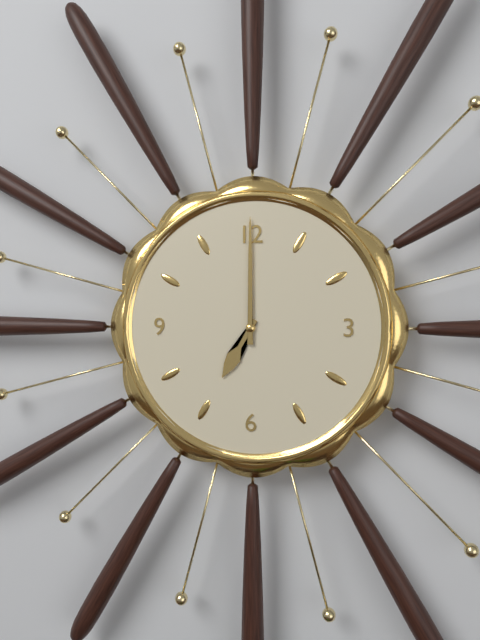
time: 7:00
